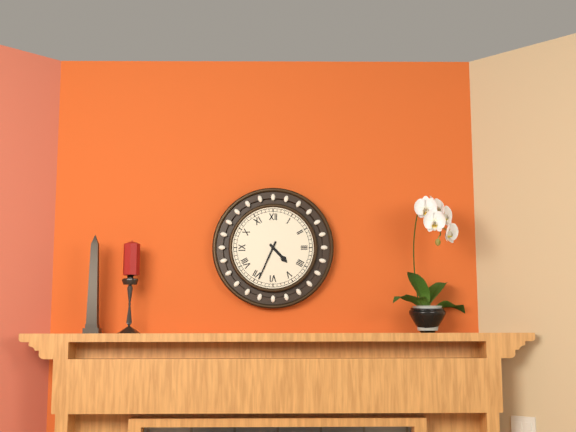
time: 4:34
